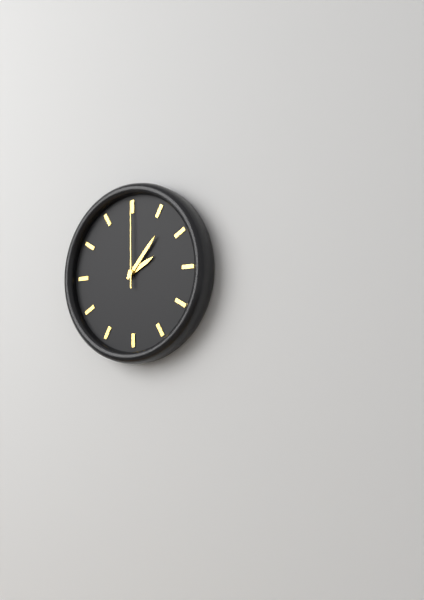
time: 2:07:00
